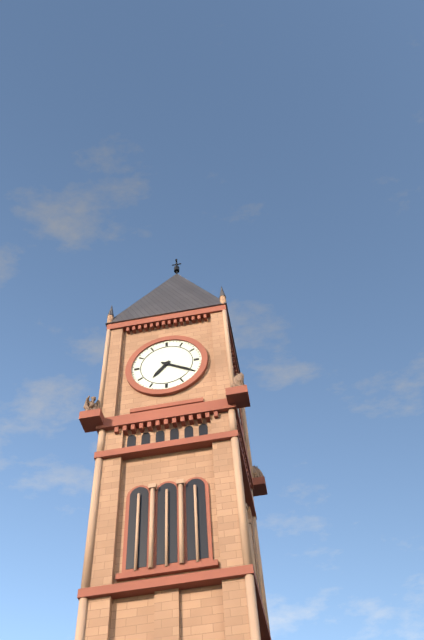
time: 7:20
